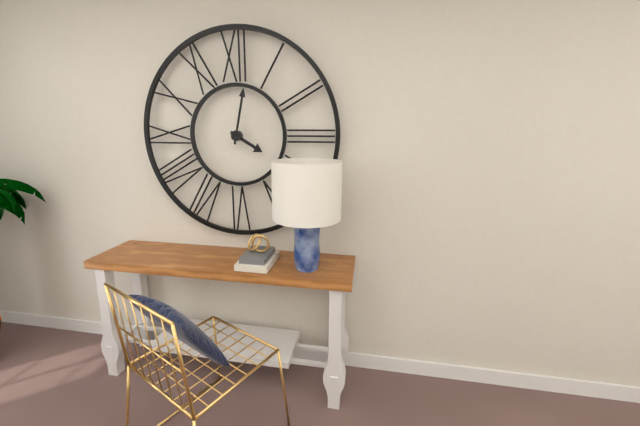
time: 4:02
